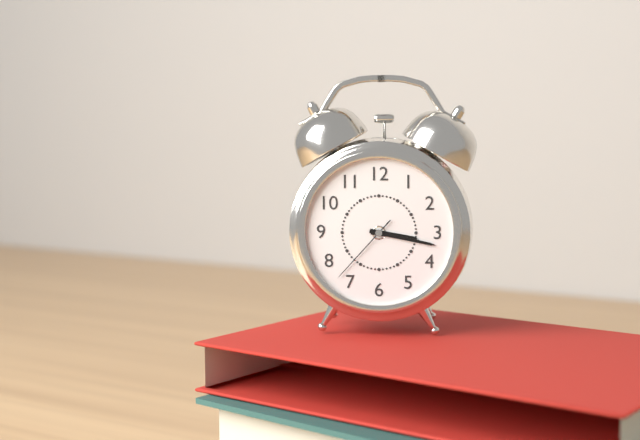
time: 3:17:37
